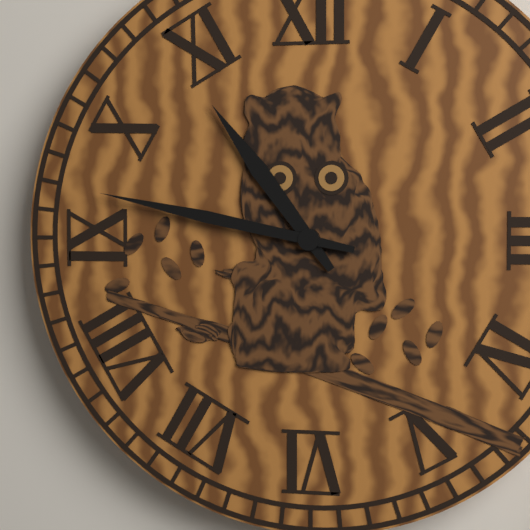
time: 10:47
